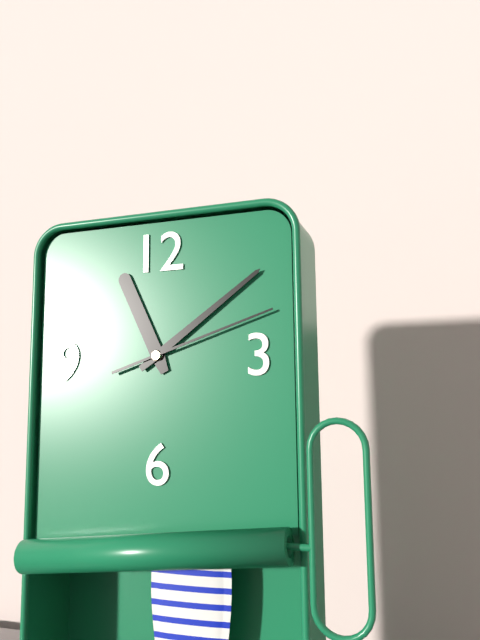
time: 11:09:12
